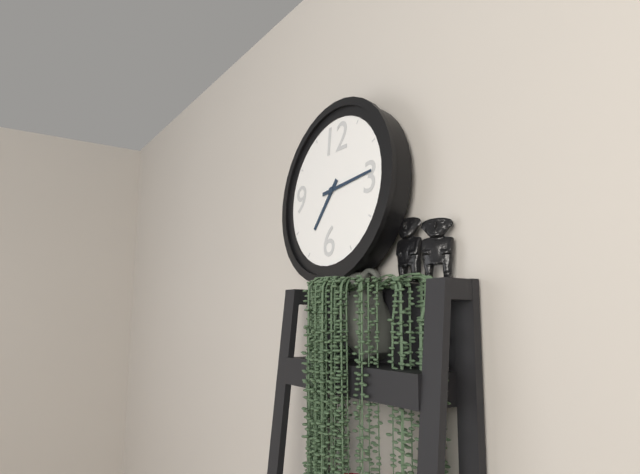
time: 7:14
